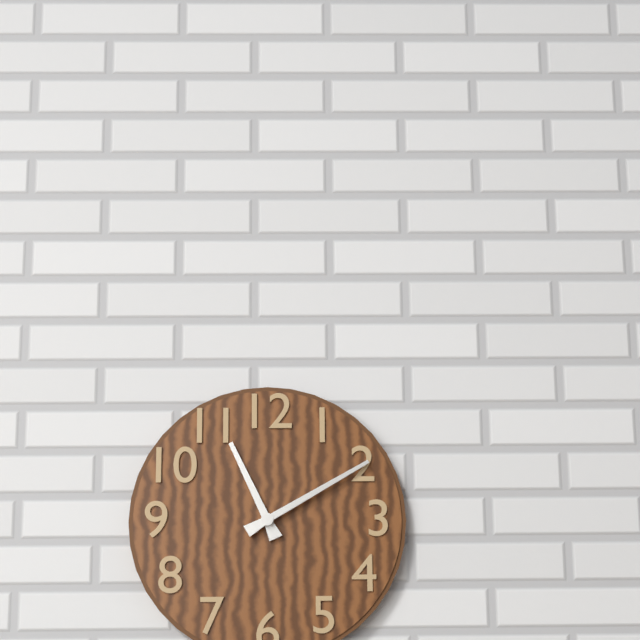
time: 11:10
